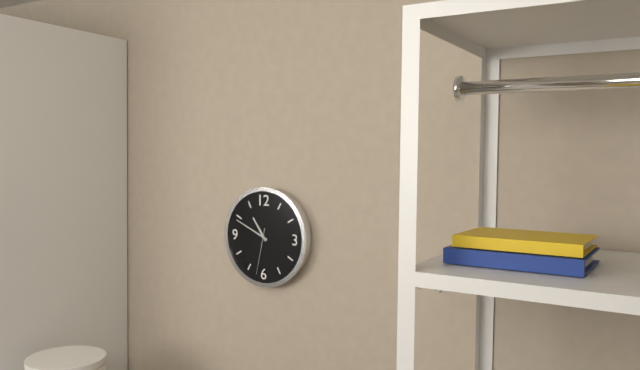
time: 10:49
